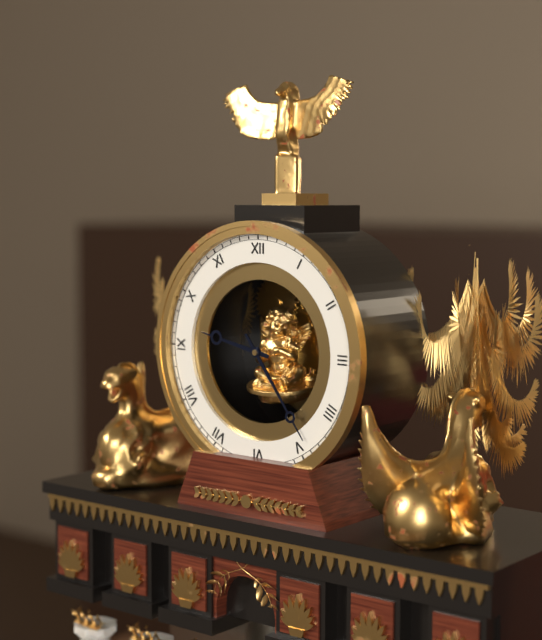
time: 9:24
